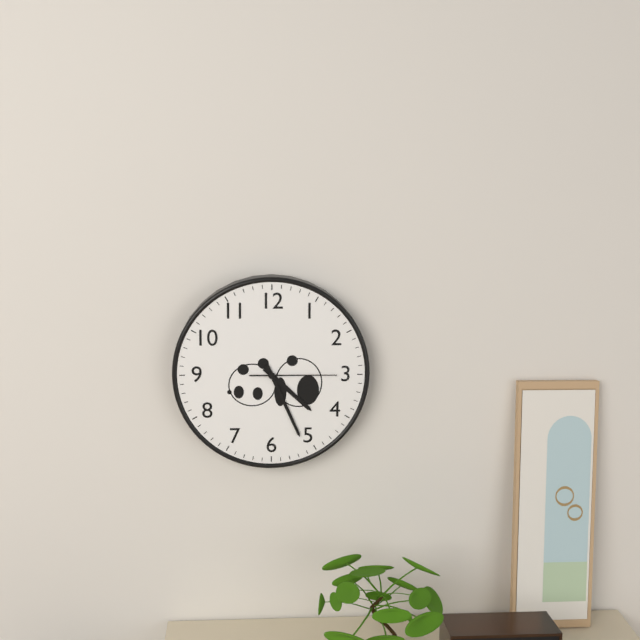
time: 4:26:15
